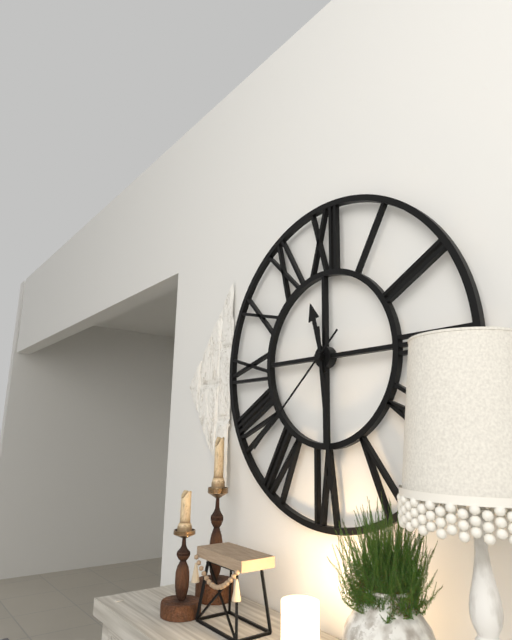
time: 11:29:38
